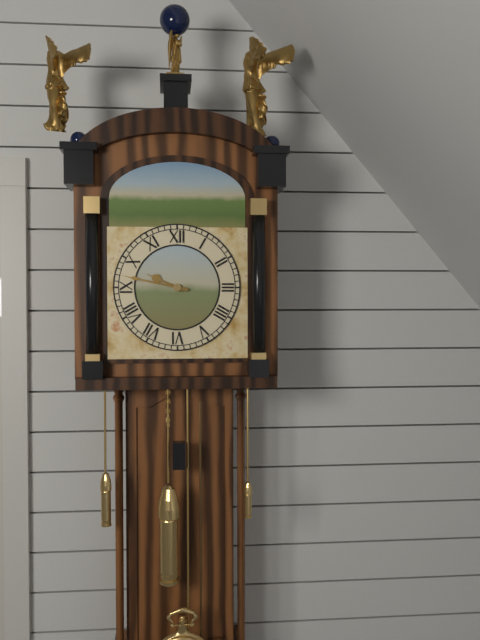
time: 9:47
